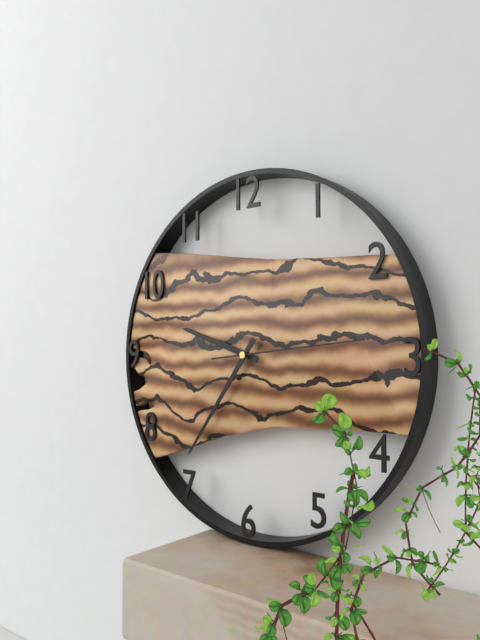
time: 9:36:14
